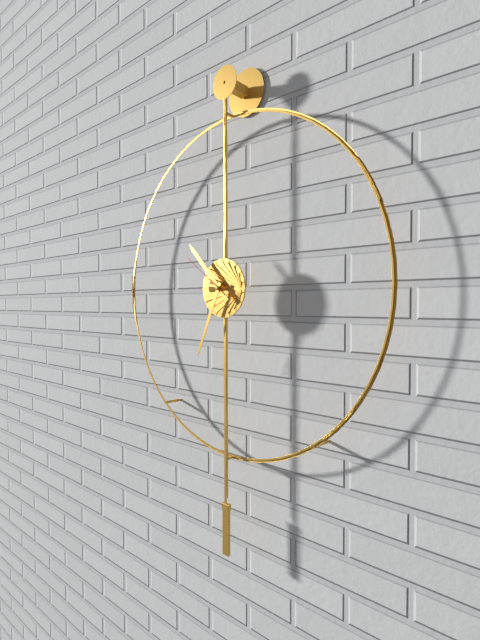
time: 10:34:51
